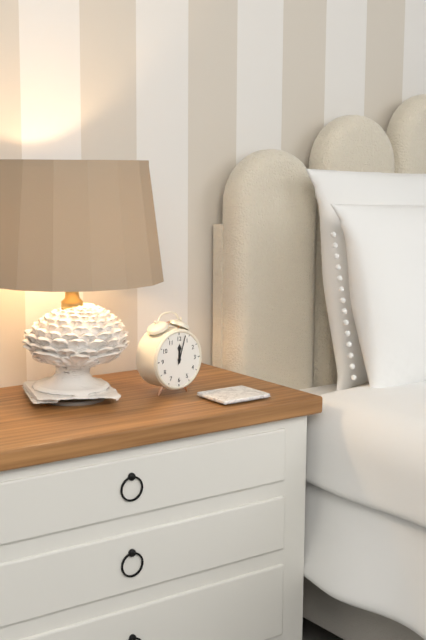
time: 12:03
